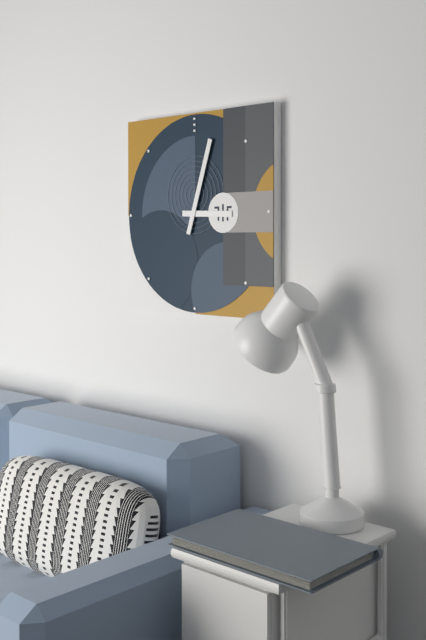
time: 3:03
